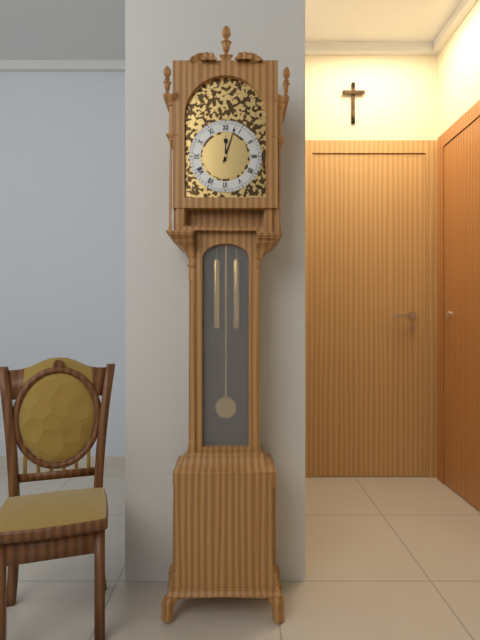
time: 12:03
